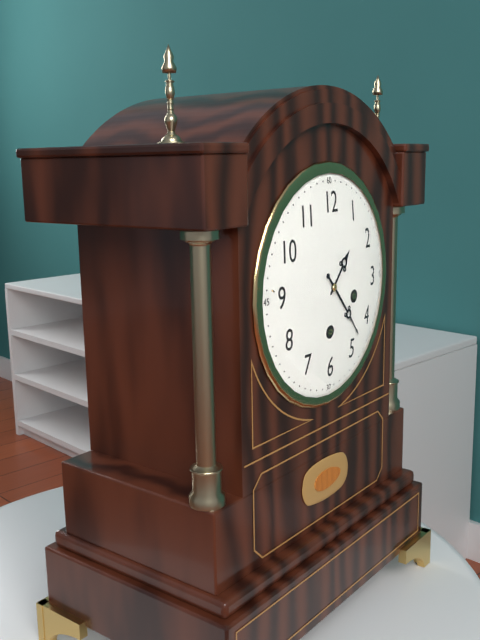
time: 1:23
